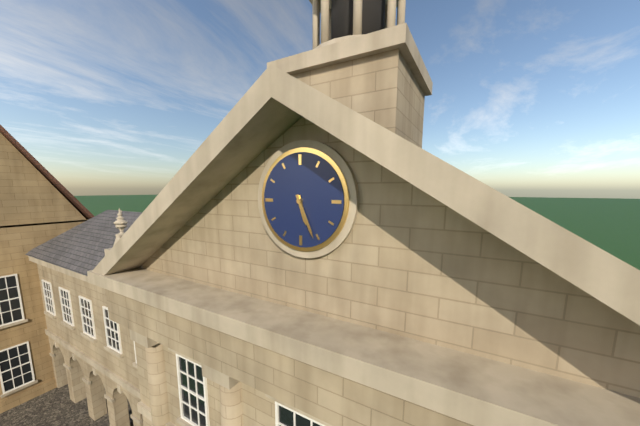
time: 5:26
